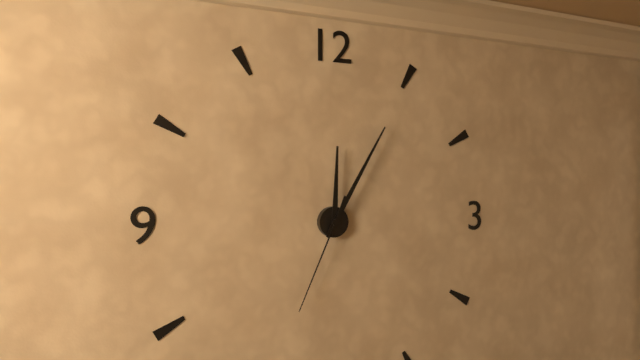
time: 12:05:34
